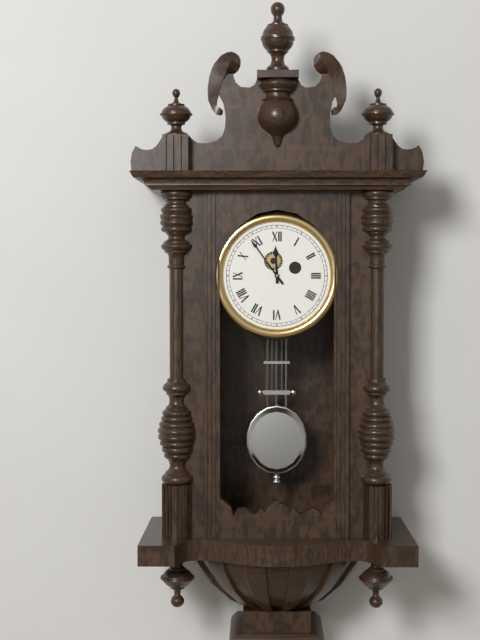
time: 11:54
